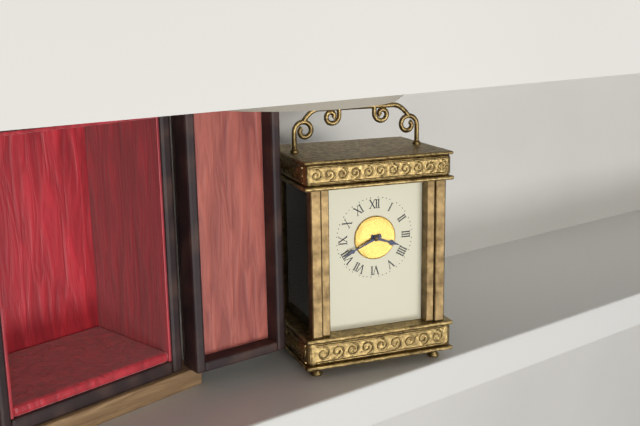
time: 3:41
